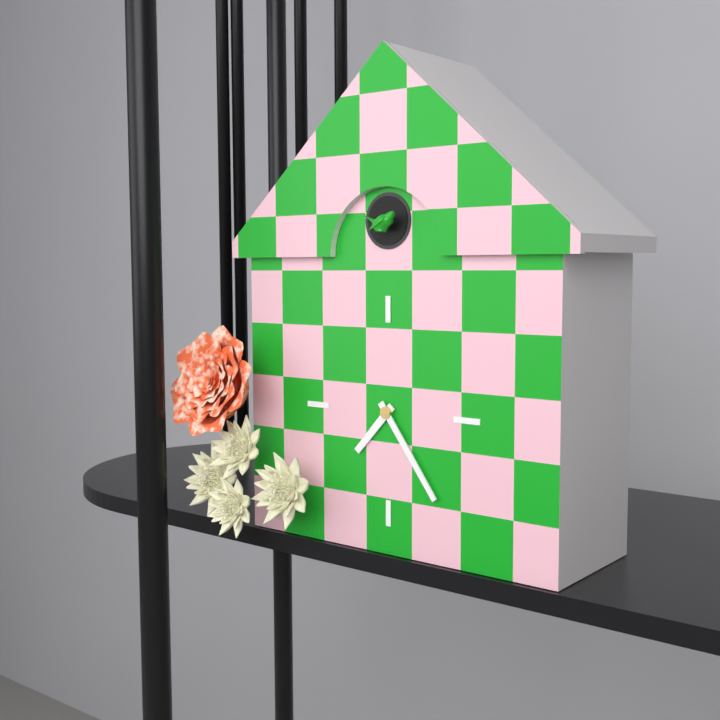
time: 7:24
